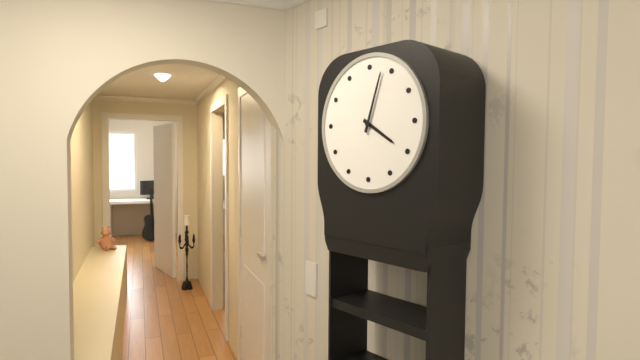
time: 4:03
